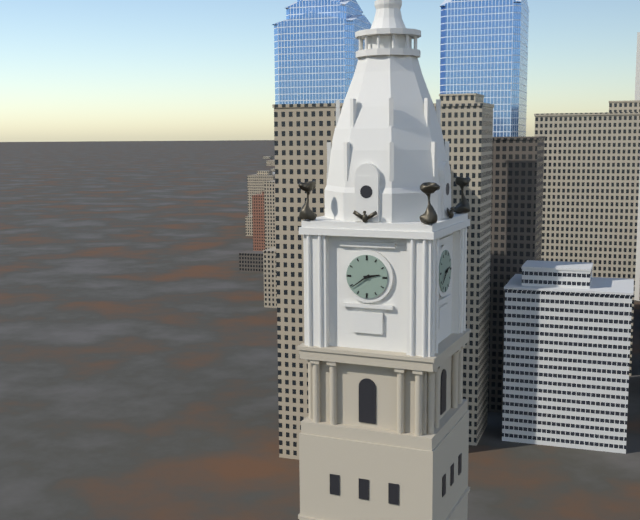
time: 2:39
